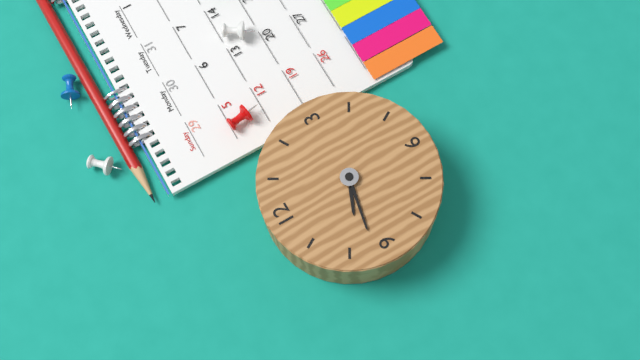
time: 9:47
